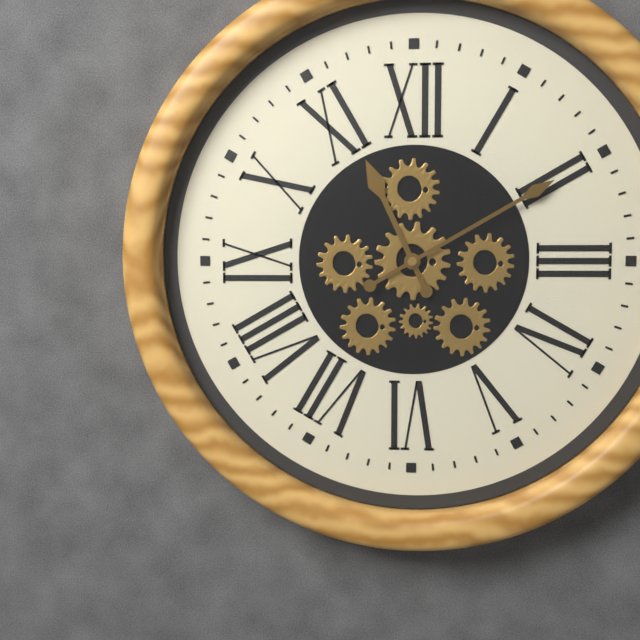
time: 11:10
